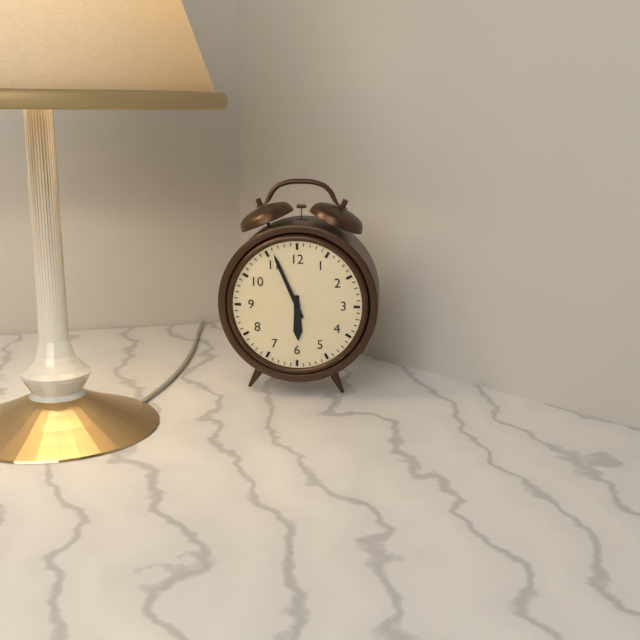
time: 5:56
